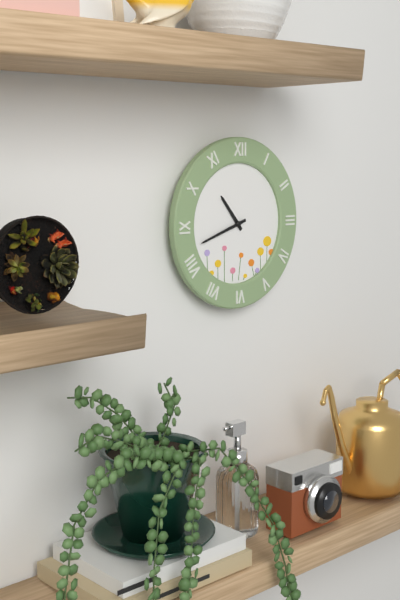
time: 10:42
